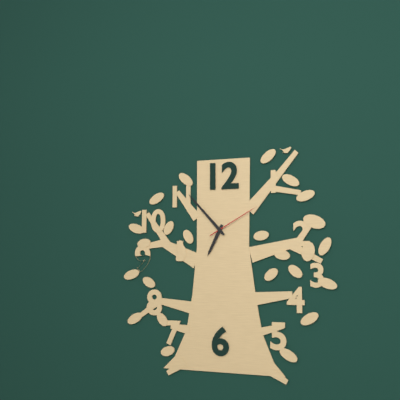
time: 6:53:10
